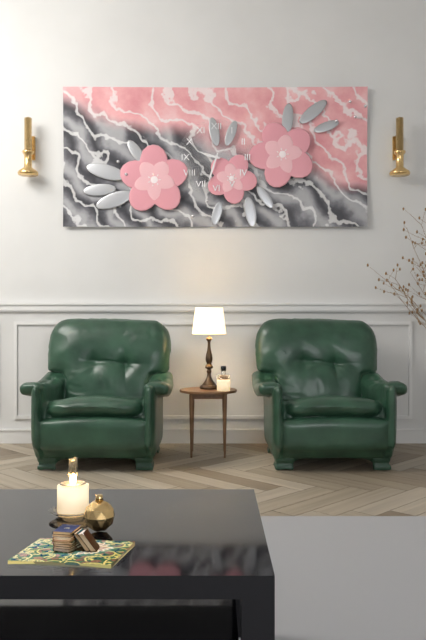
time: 9:33
